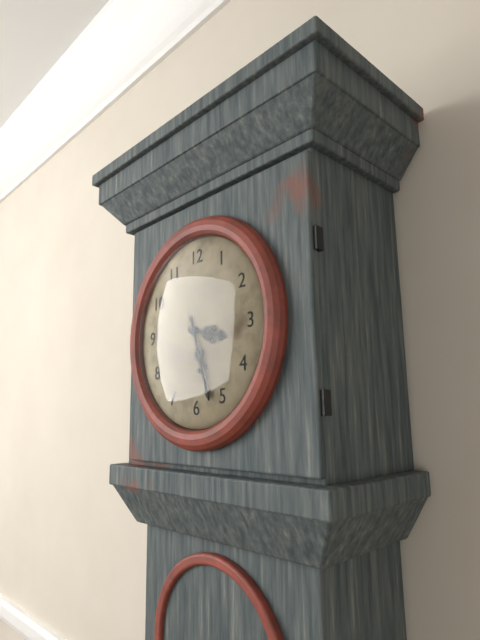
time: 3:27
